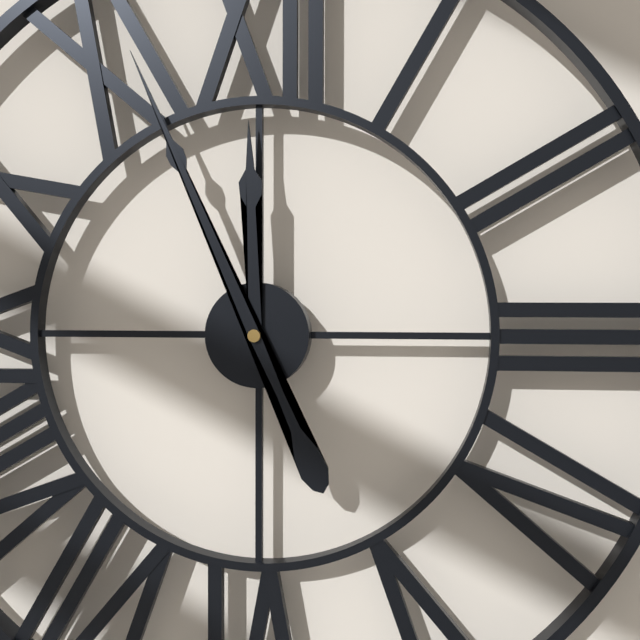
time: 11:56
